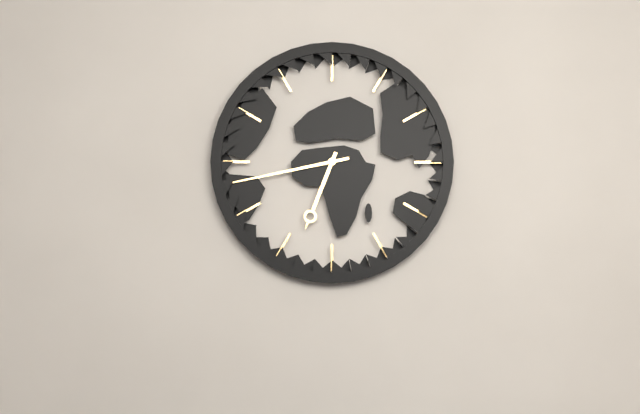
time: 6:43
